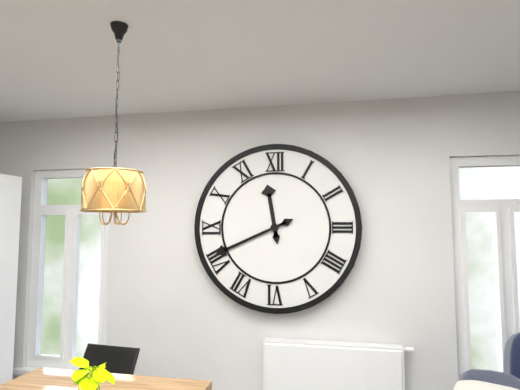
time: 11:41
